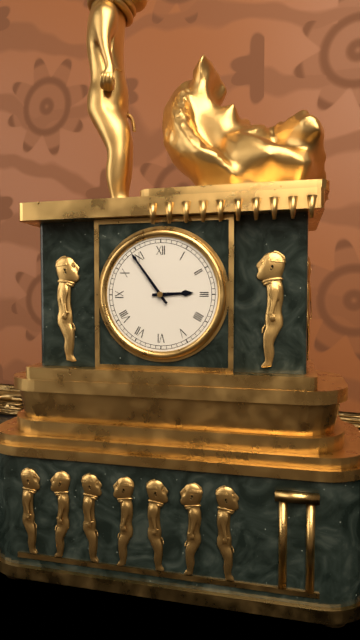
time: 2:54
